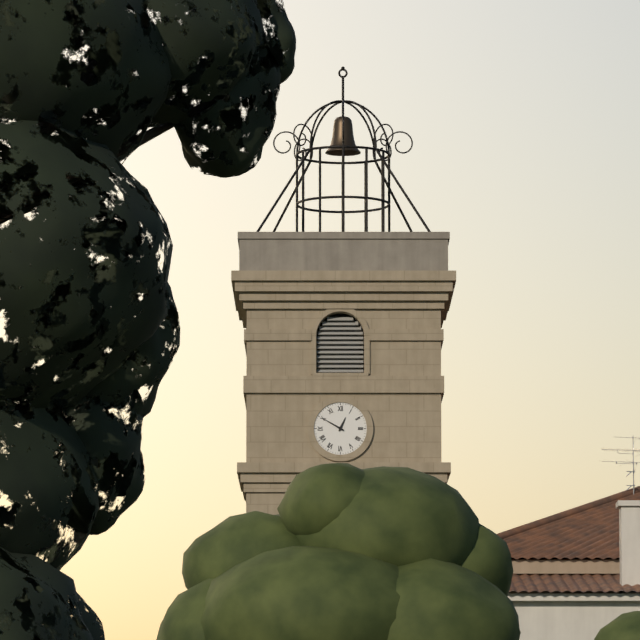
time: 12:50
